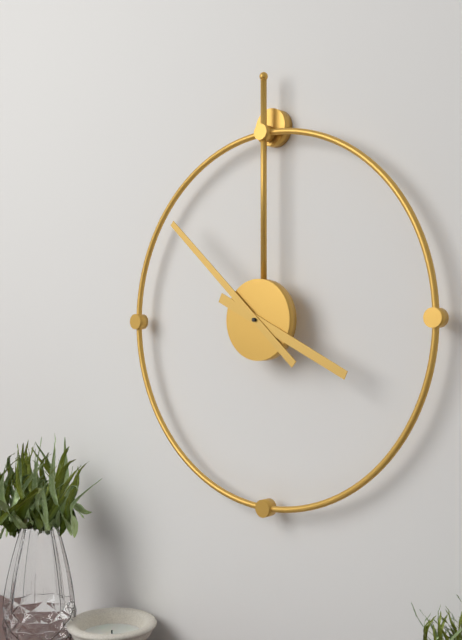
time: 3:52
